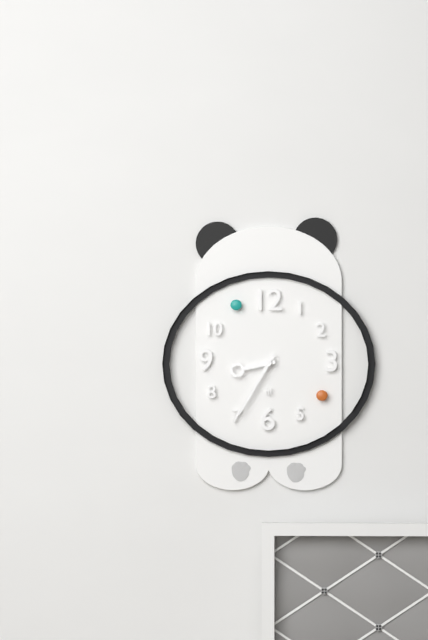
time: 8:35
